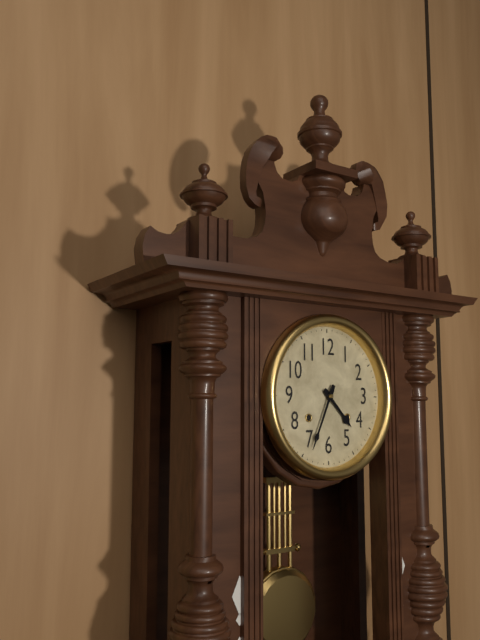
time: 4:34
